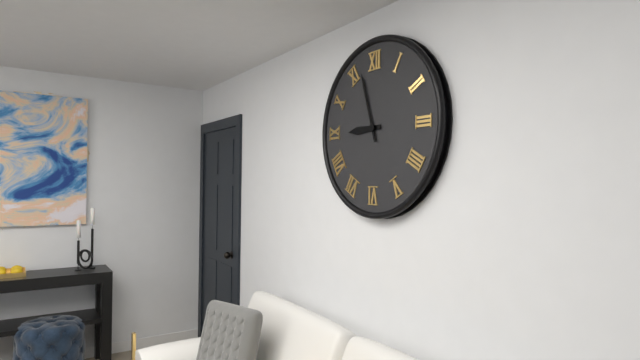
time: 8:57
